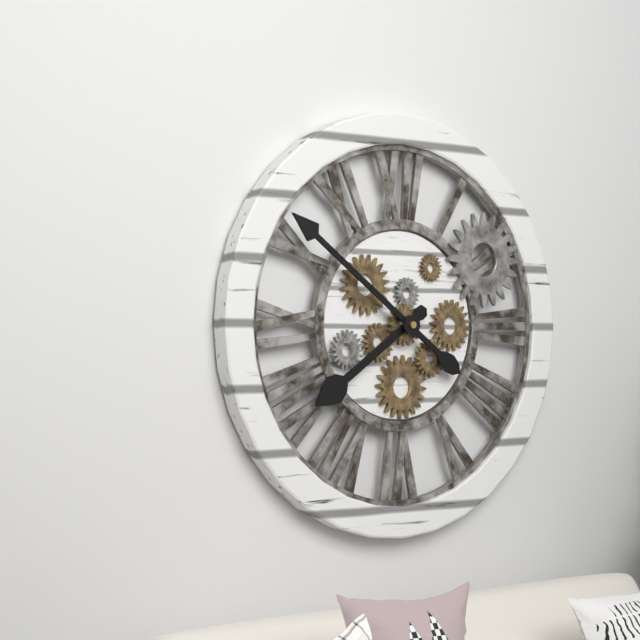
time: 7:51
